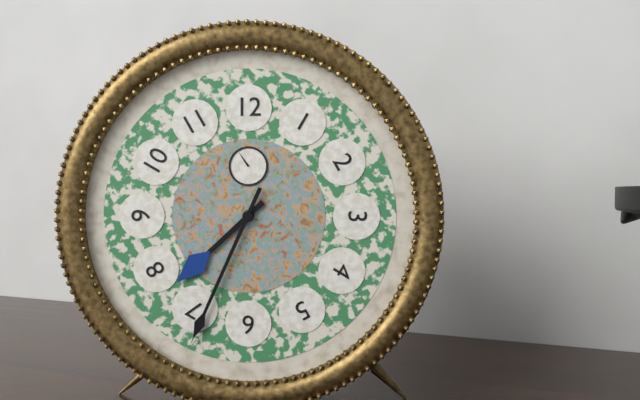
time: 7:34
